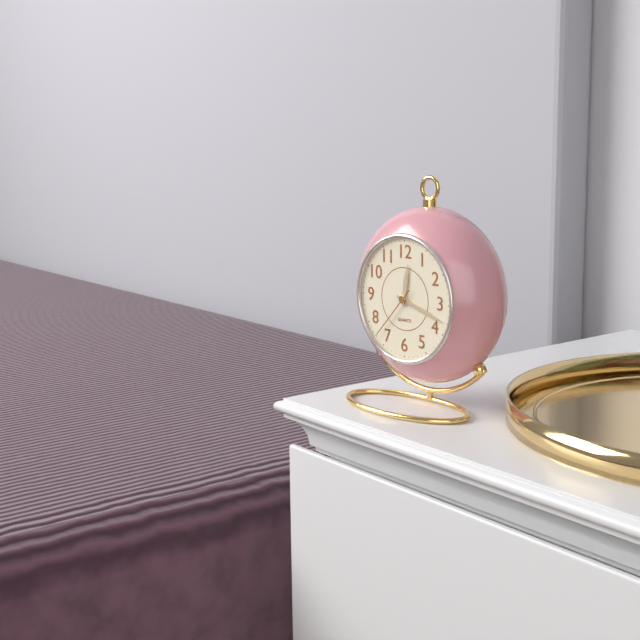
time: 12:18:37
